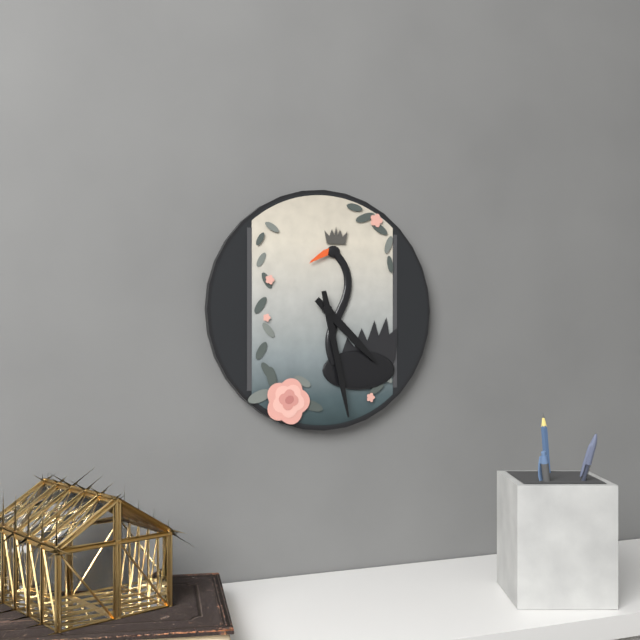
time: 4:28
